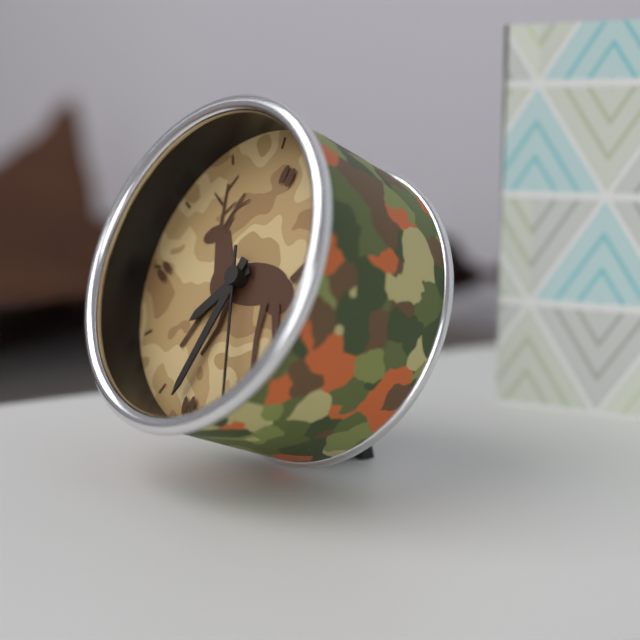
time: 7:33:27
